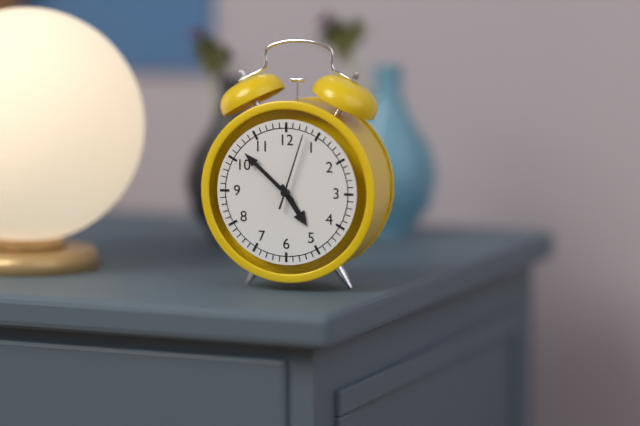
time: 4:52:03
